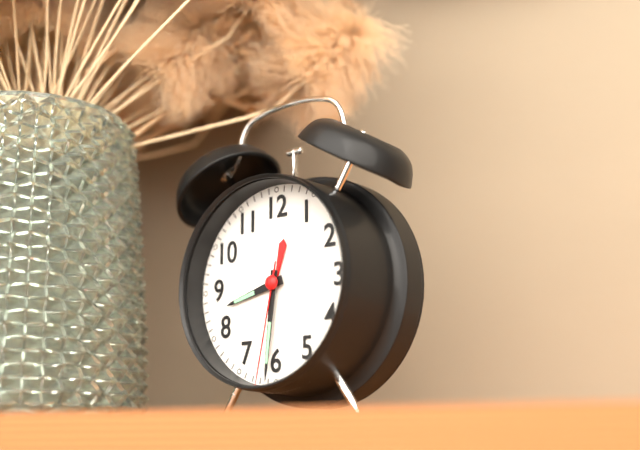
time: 8:31:32
